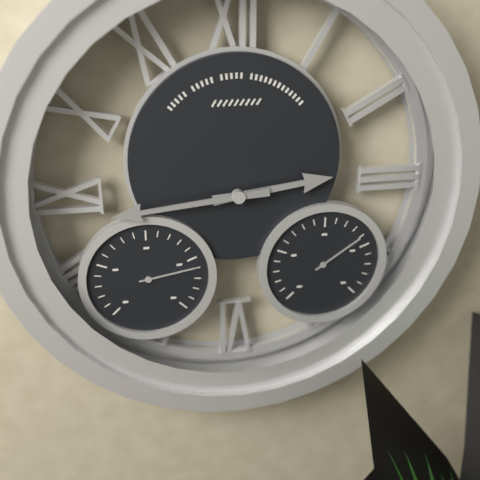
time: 2:44
